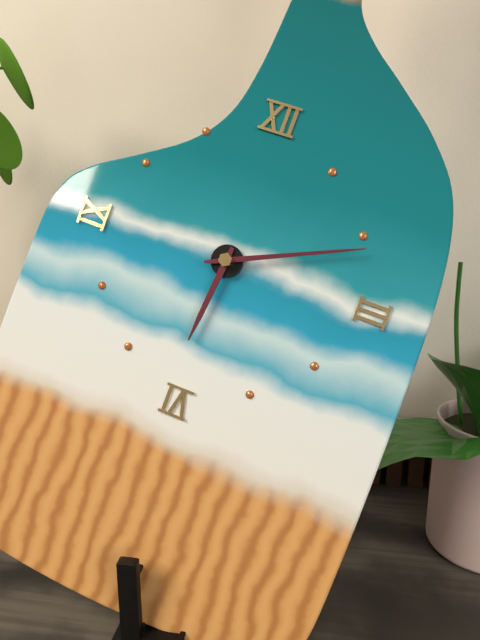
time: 6:11
